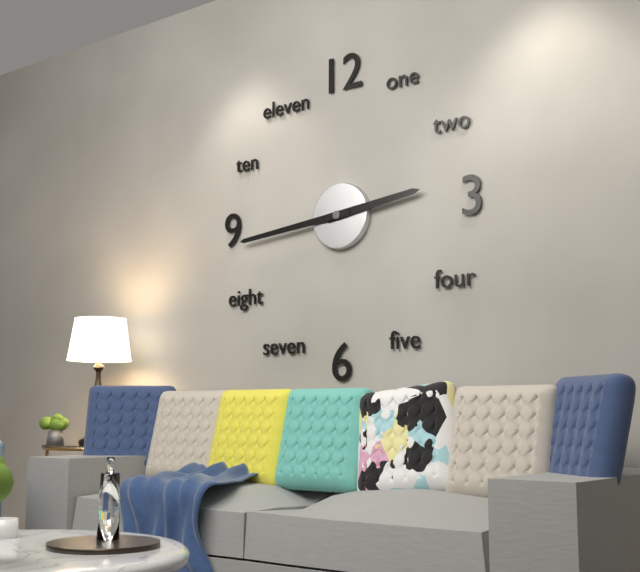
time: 2:44
